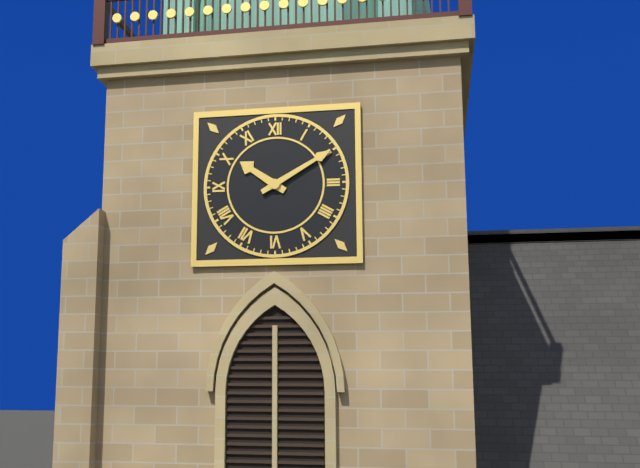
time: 10:10
